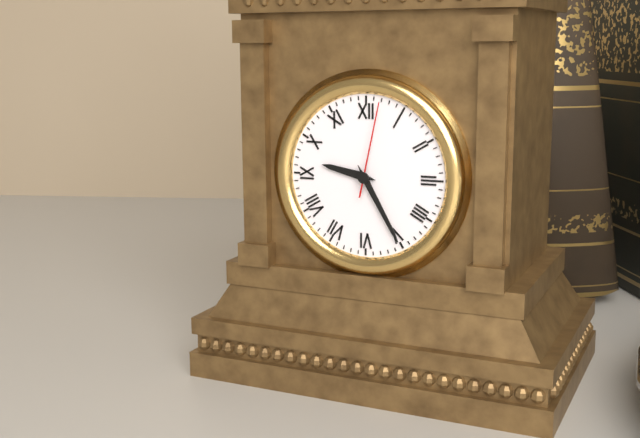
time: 9:25:02
